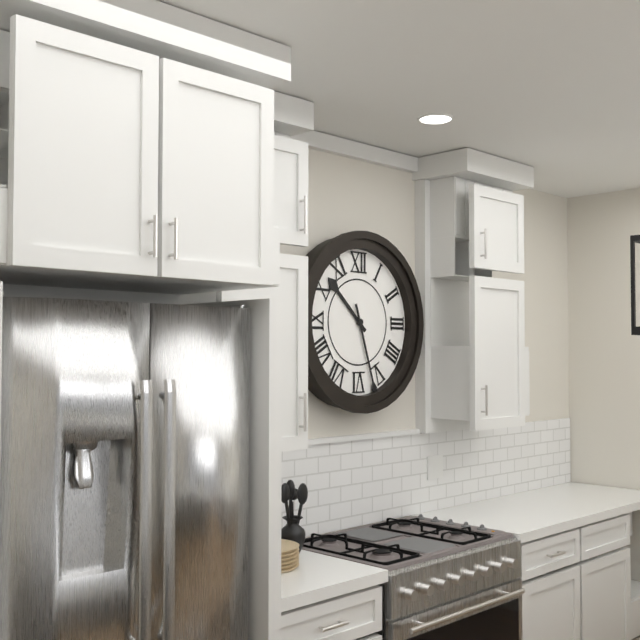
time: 10:27
